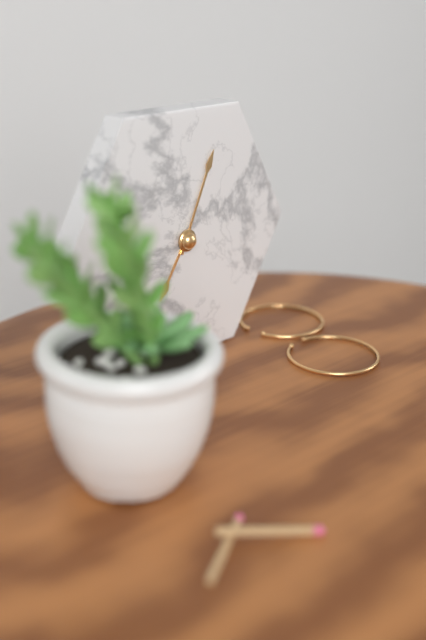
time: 7:04
